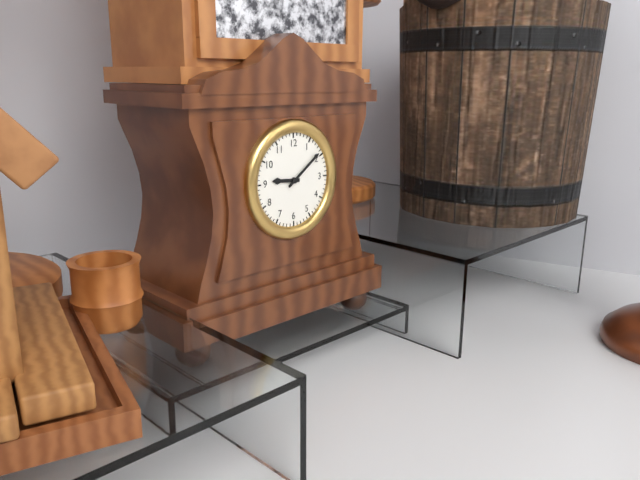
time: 9:09
